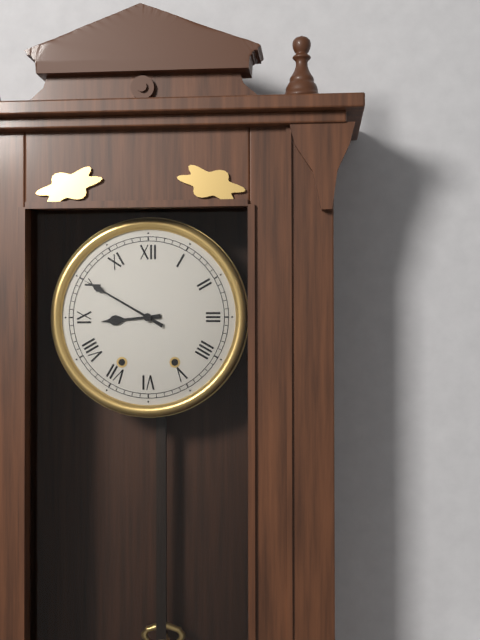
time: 8:50
